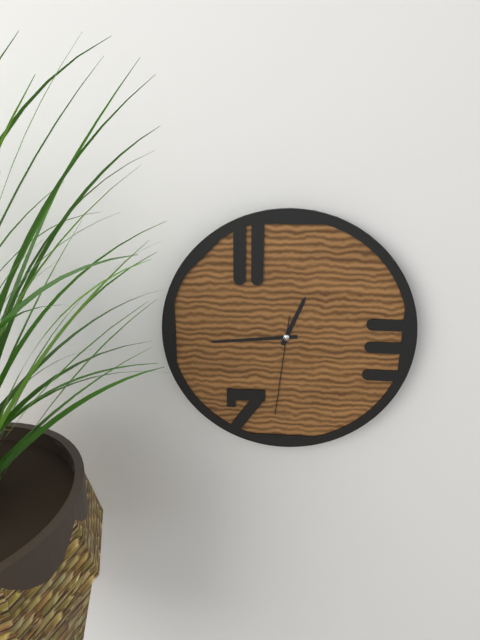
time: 12:44:31
